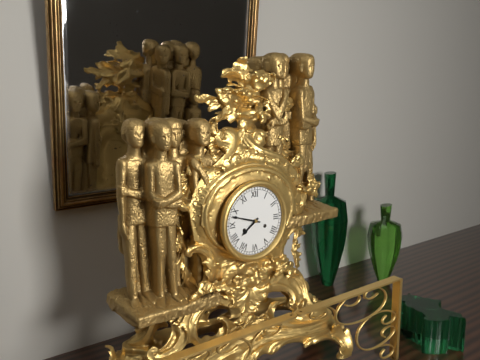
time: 7:48
